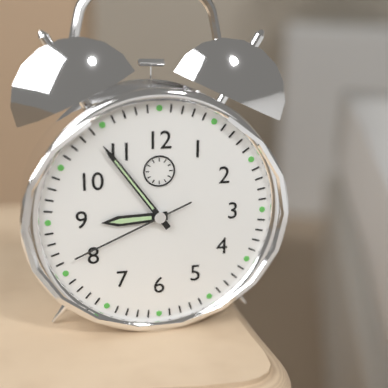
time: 8:54:41
